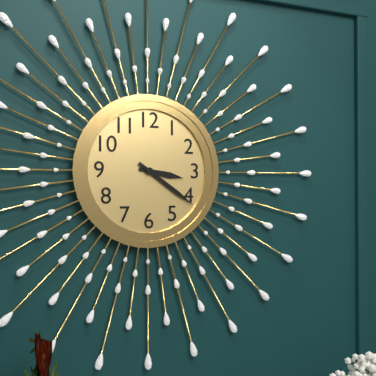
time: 3:21
